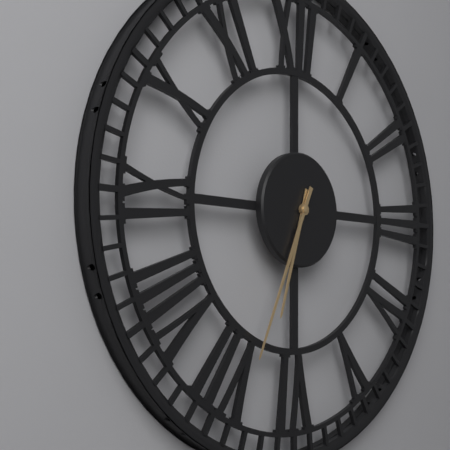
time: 6:34
